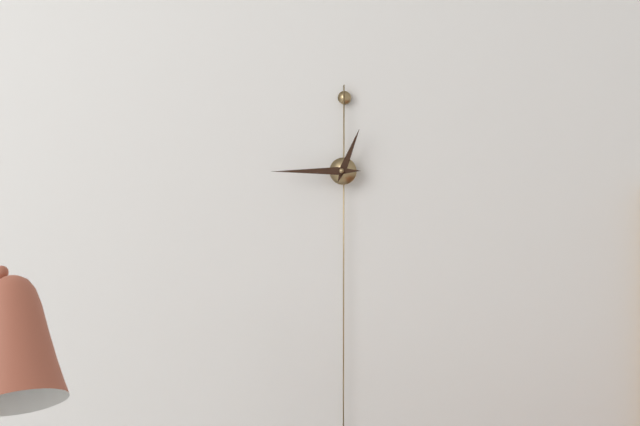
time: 12:45
